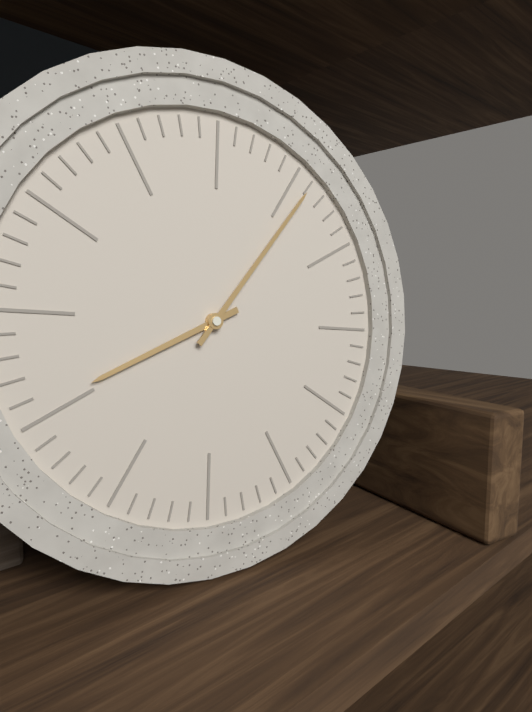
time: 8:06
